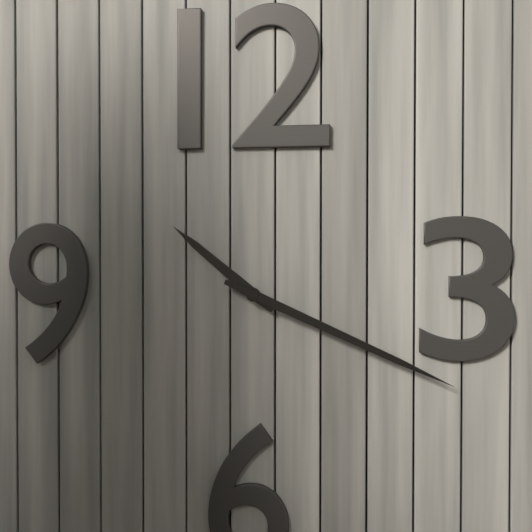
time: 10:19
